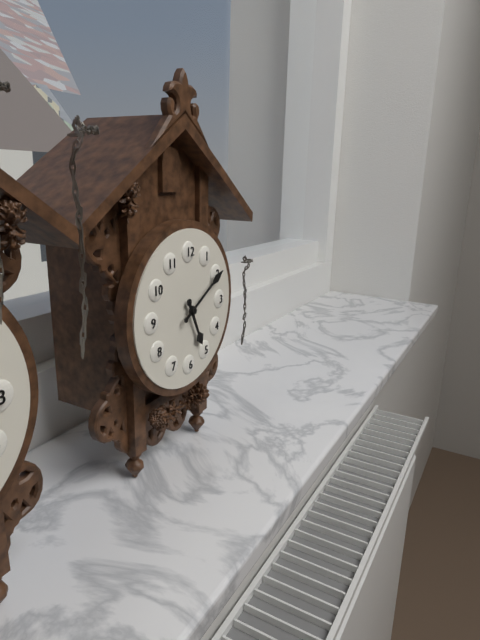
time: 5:10
